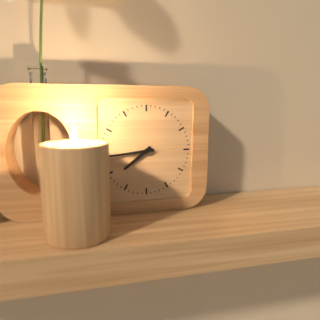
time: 7:44
